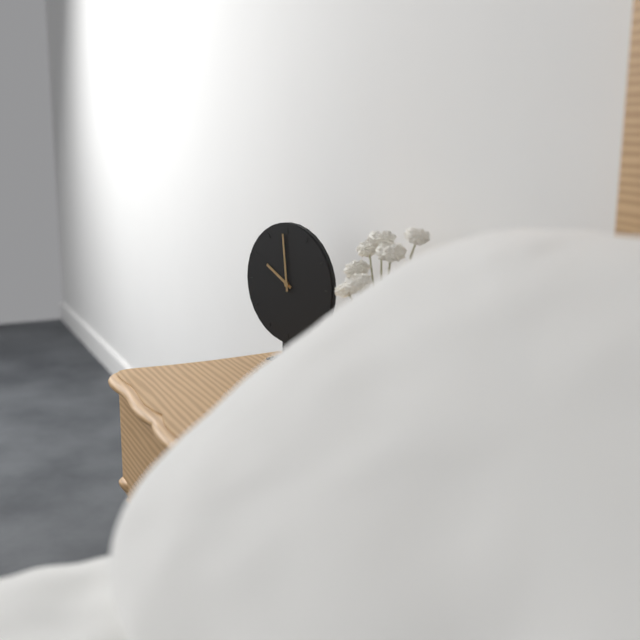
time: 9:59
